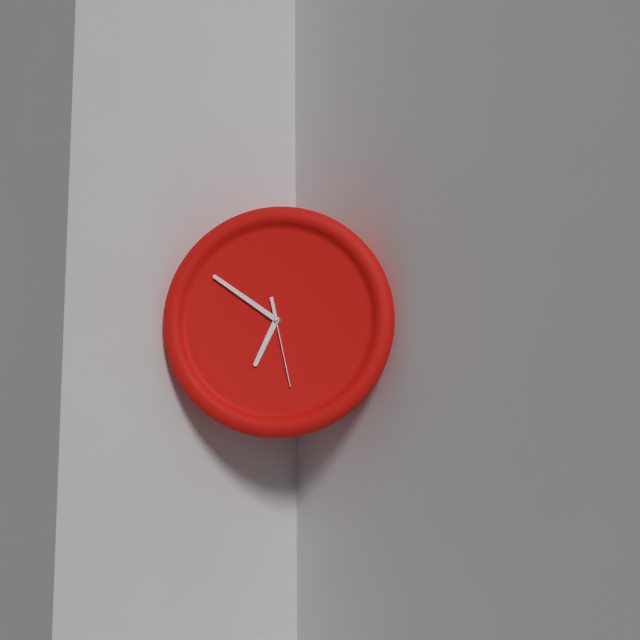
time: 6:51:28
